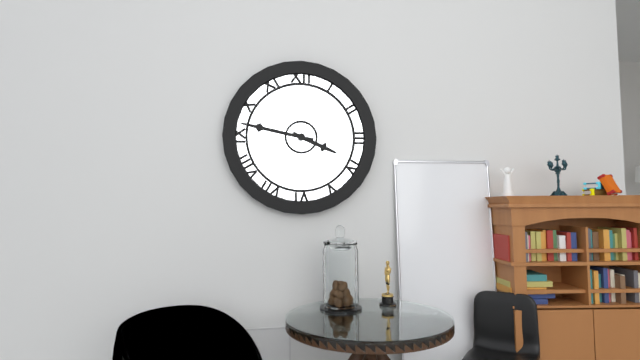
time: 3:47
